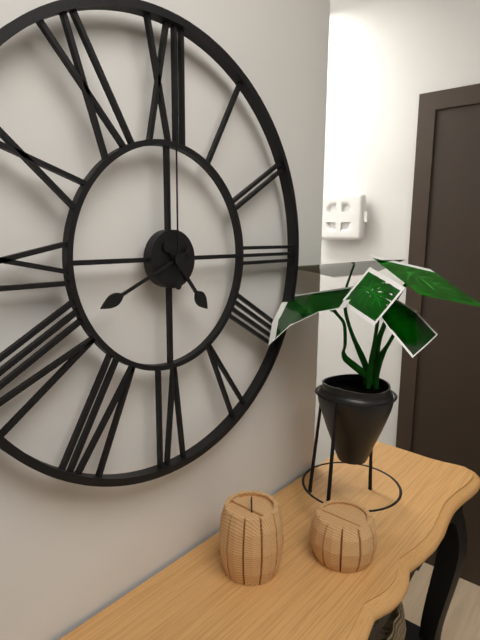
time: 4:41:00
